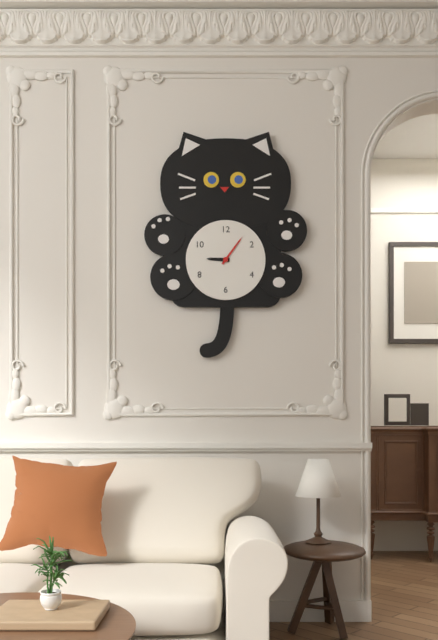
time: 9:06
